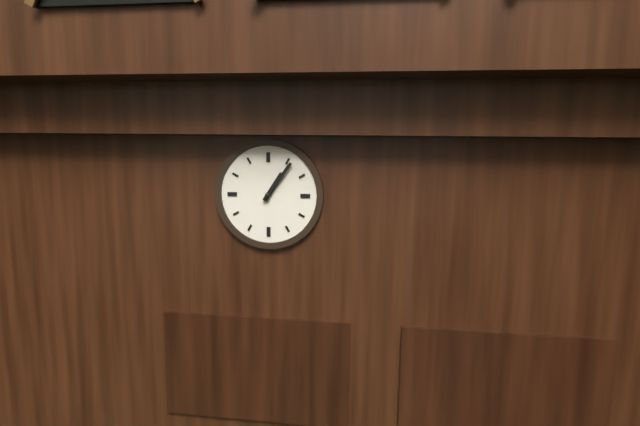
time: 1:06
